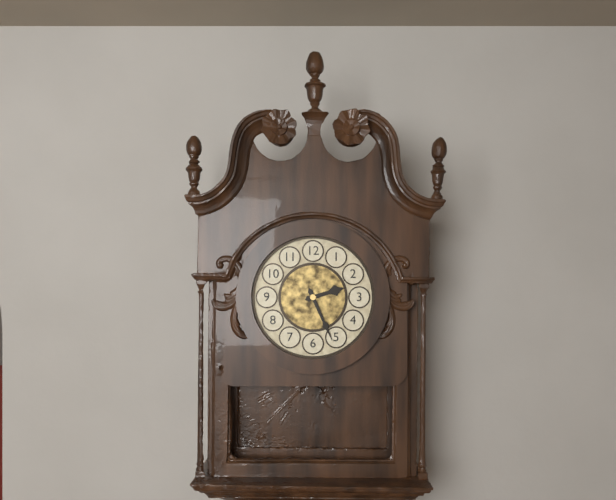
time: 2:26
